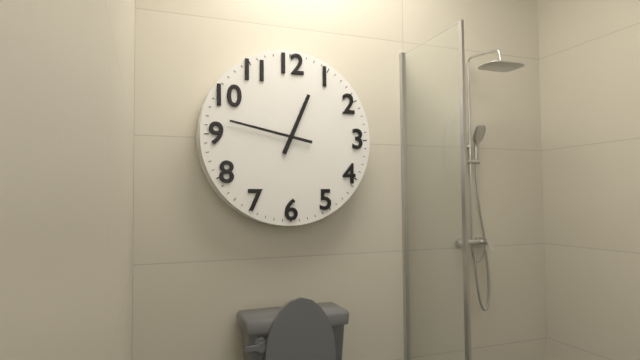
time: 12:47
